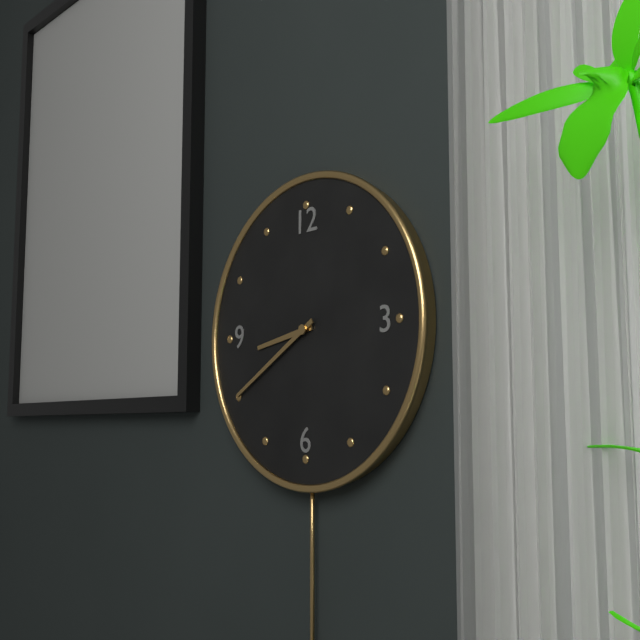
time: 8:40
